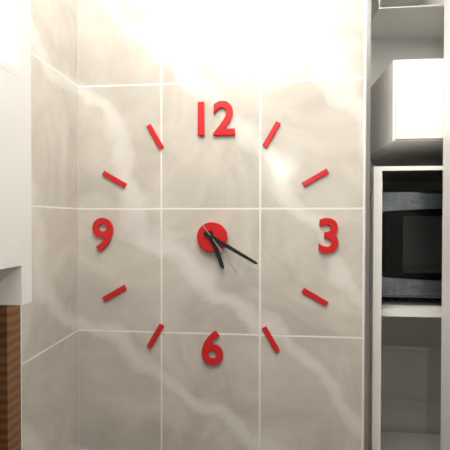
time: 5:20:24
